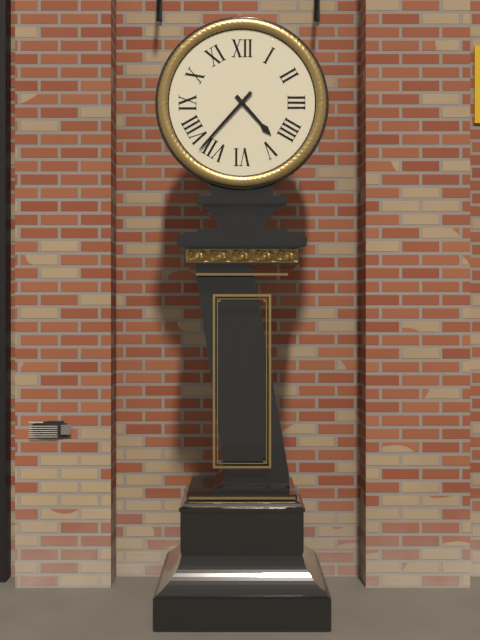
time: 4:37
